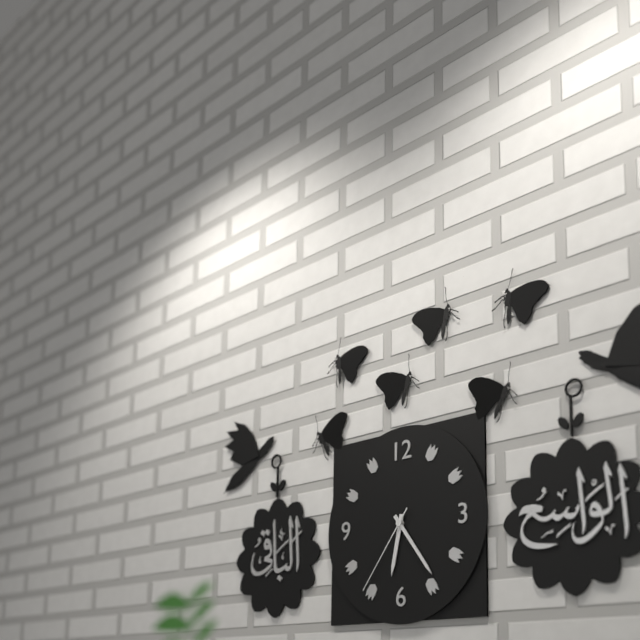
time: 6:24:36
